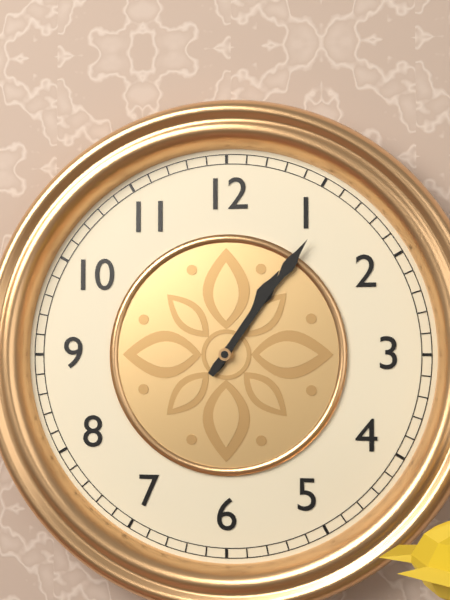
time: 1:06
